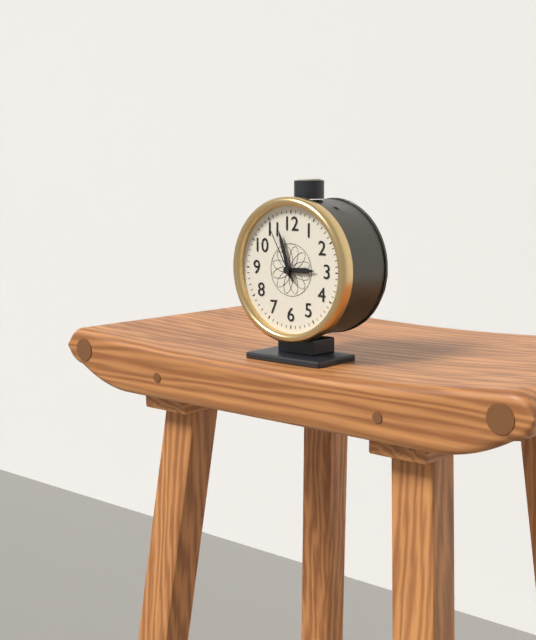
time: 2:57:55
